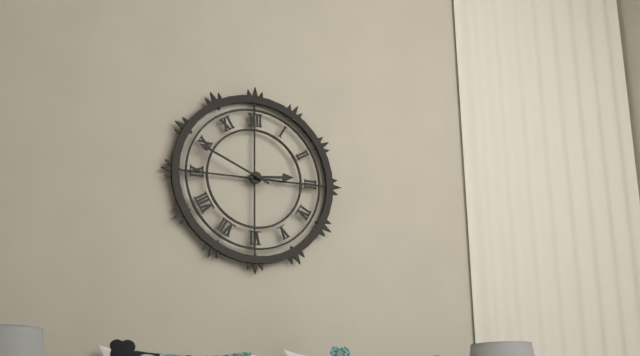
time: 2:49
